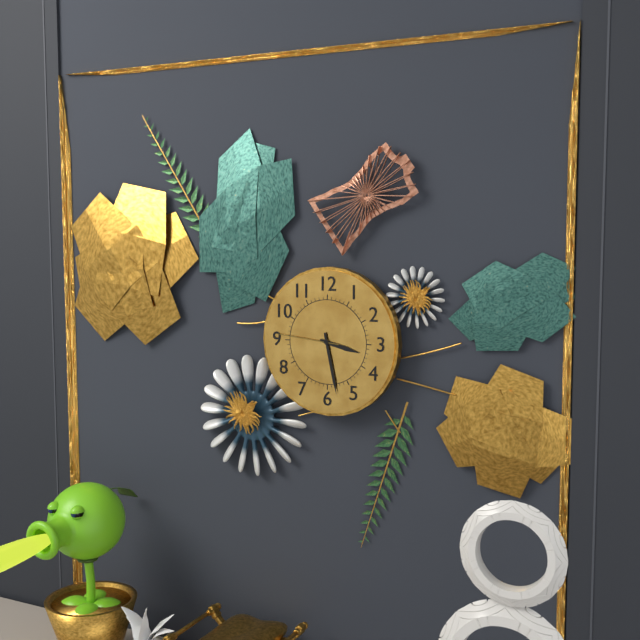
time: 3:28:46
